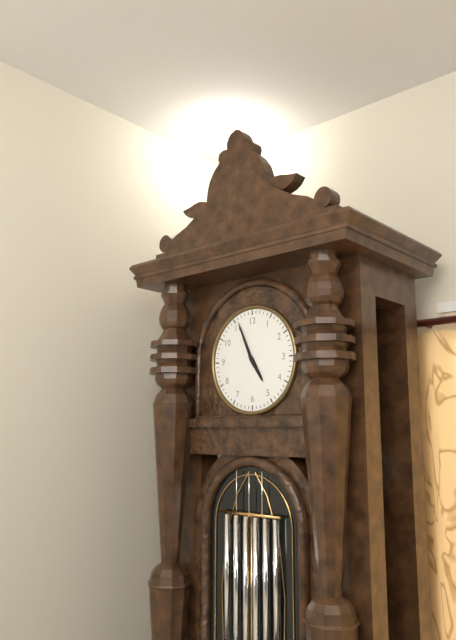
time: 4:56
